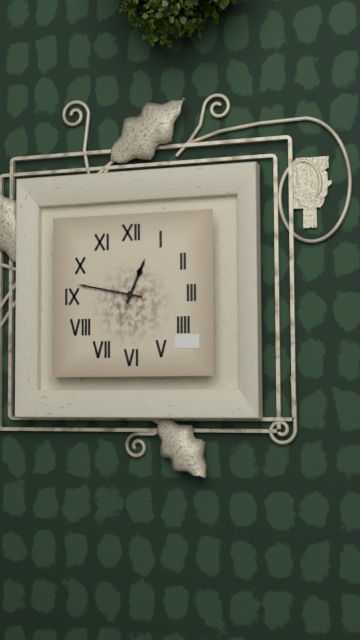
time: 12:47
